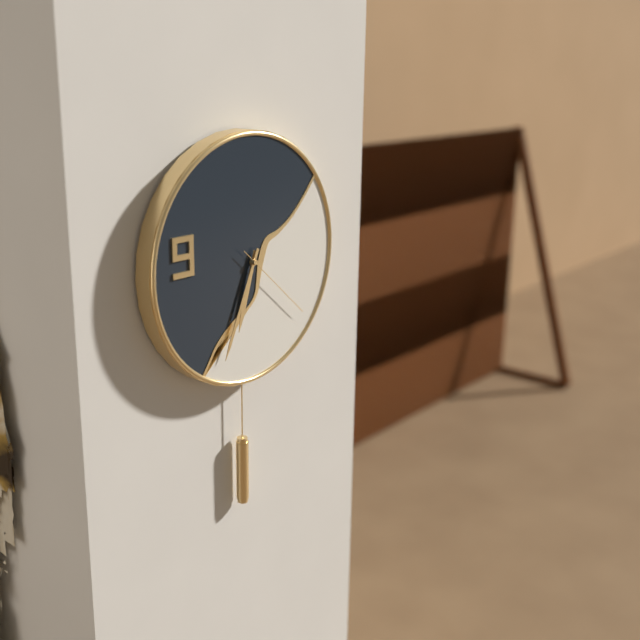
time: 6:34:22
